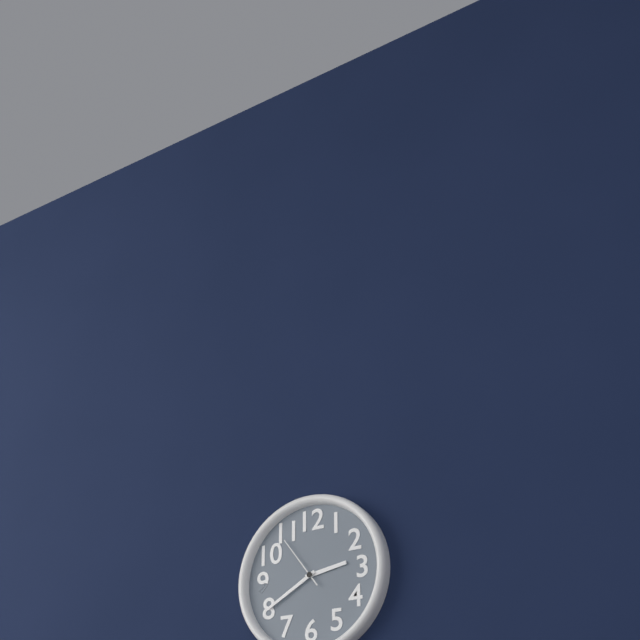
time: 2:40:54
